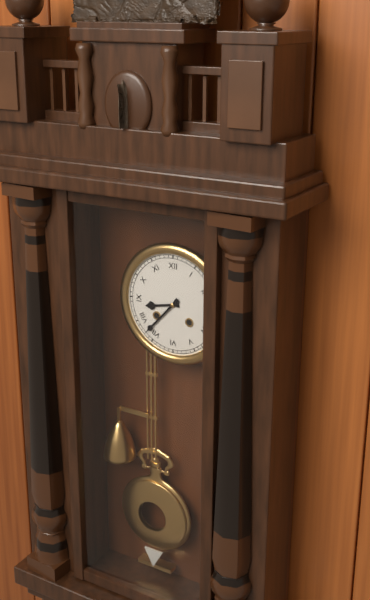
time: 8:37
